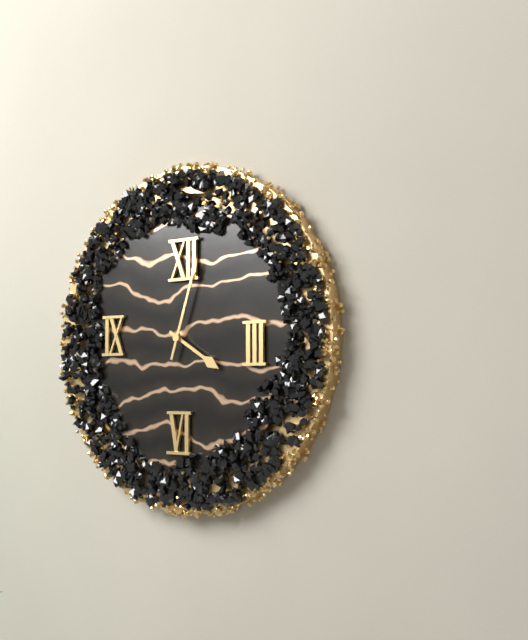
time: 4:03
